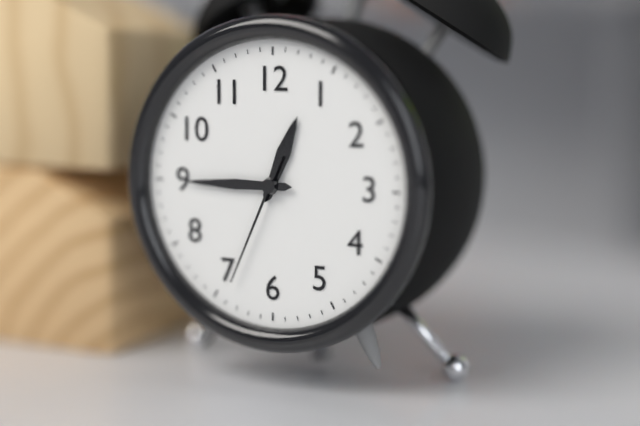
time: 12:45:34
